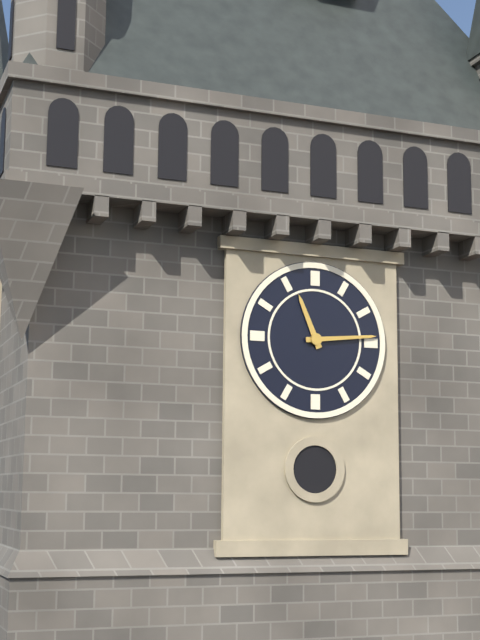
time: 11:14
